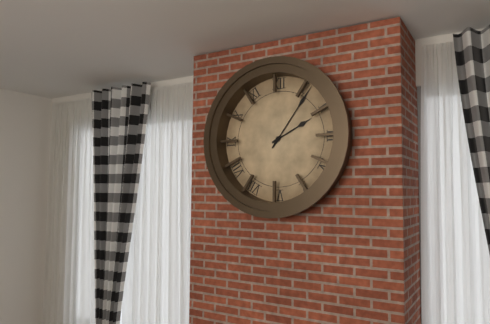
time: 2:06
